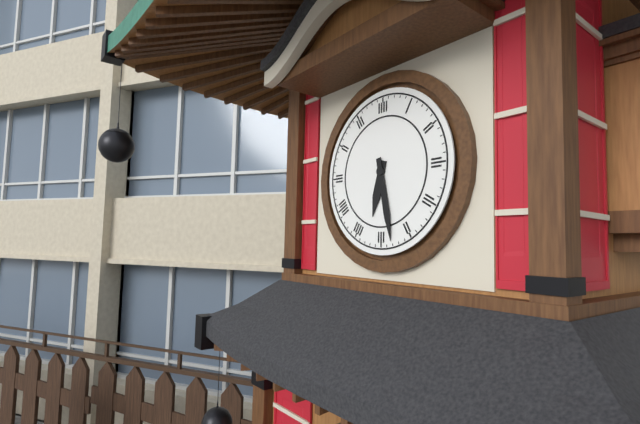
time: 6:28
